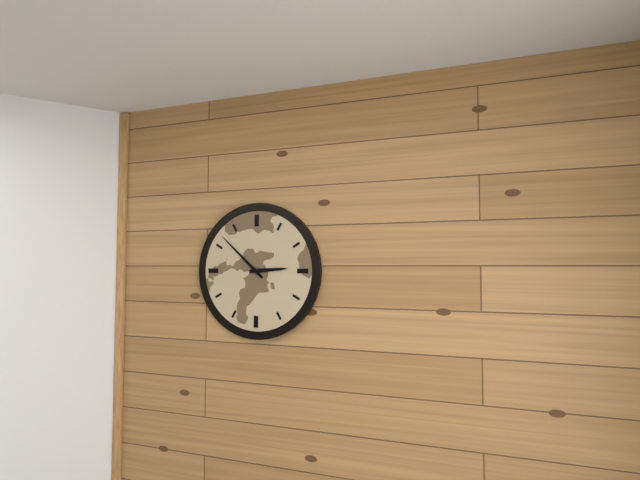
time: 2:52
